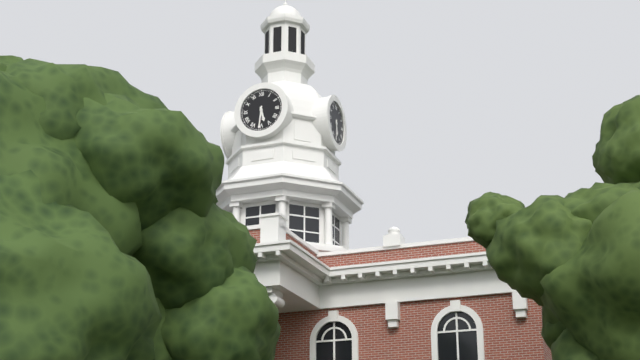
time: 5:31
